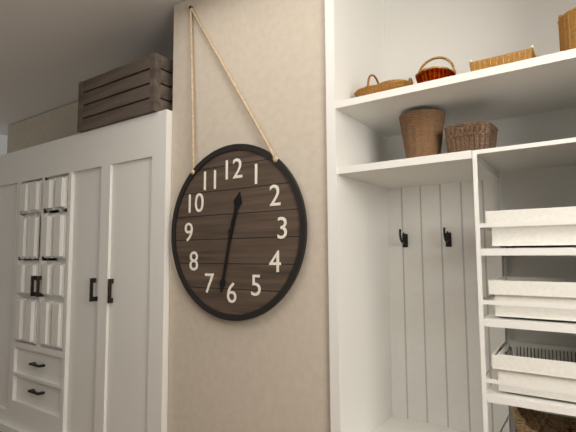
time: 12:32
